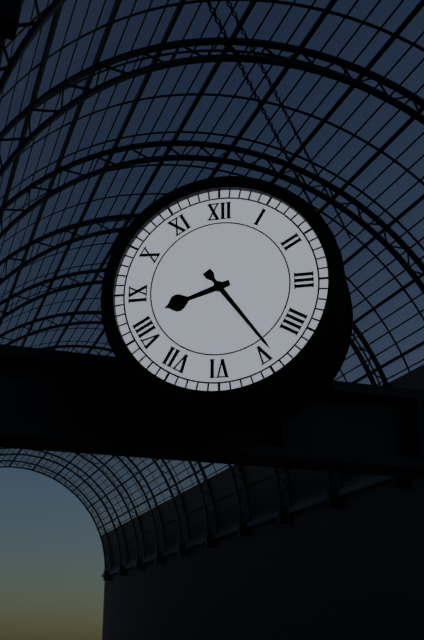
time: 8:24
